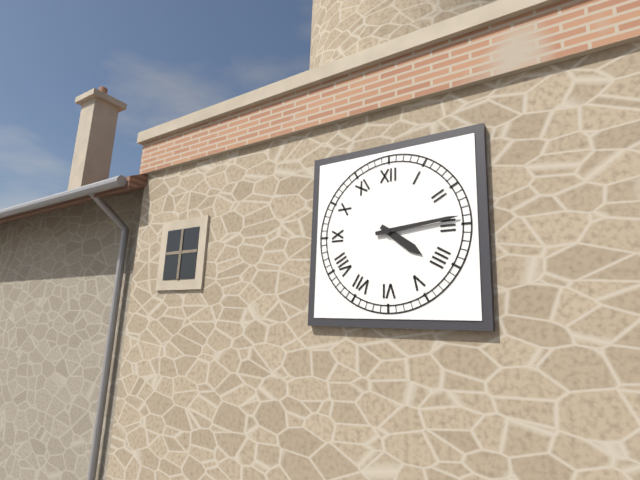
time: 4:14
